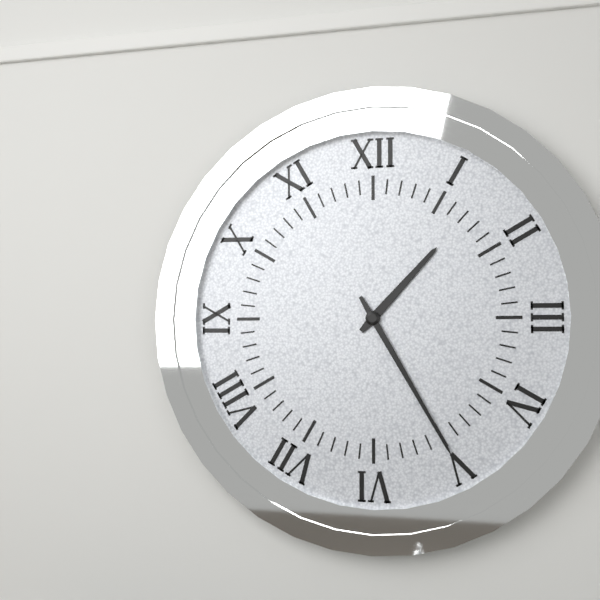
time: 1:25
